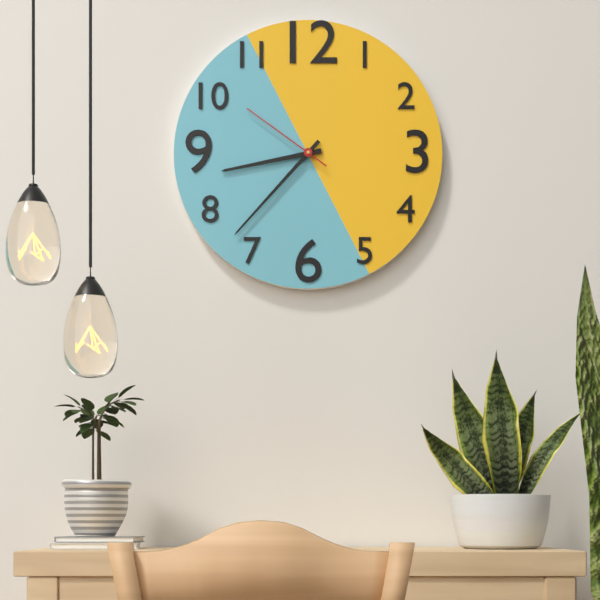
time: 8:37:51
